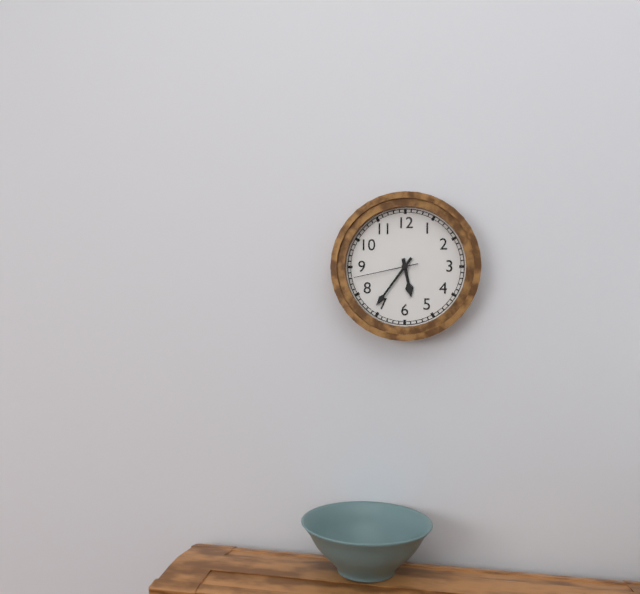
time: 5:36:43
